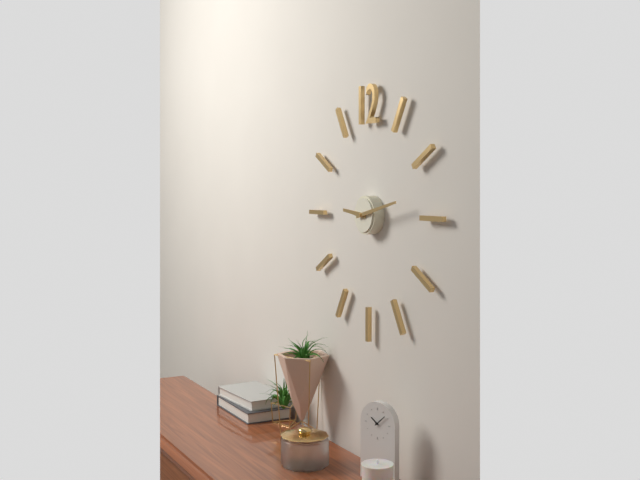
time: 9:13
